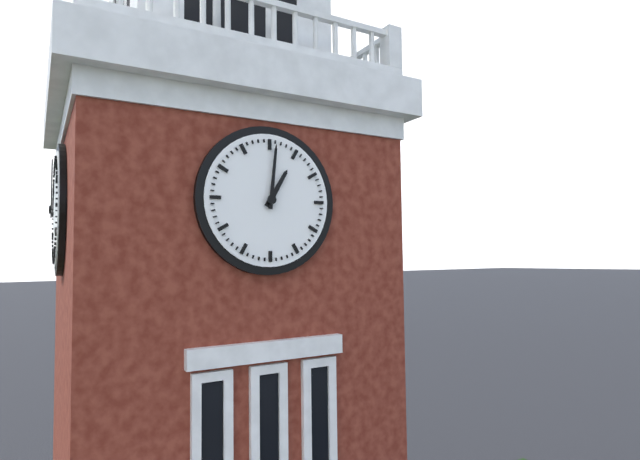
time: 1:01
